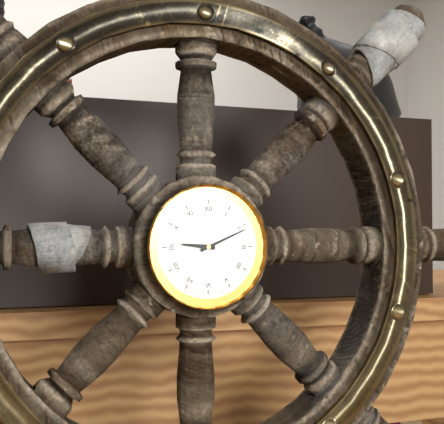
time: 9:11
